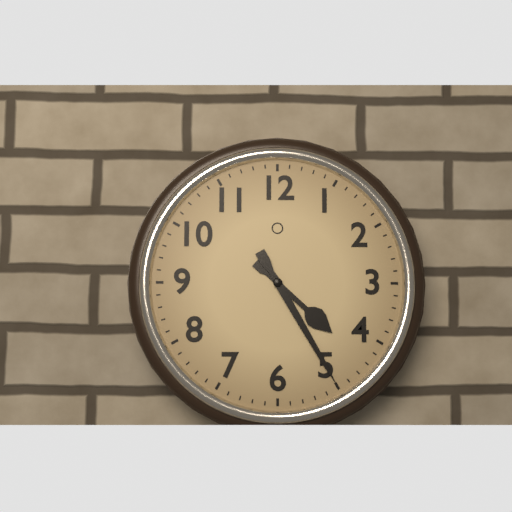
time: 4:25
